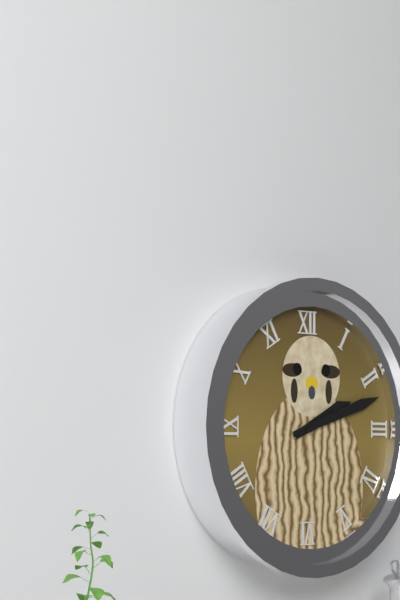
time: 2:12
